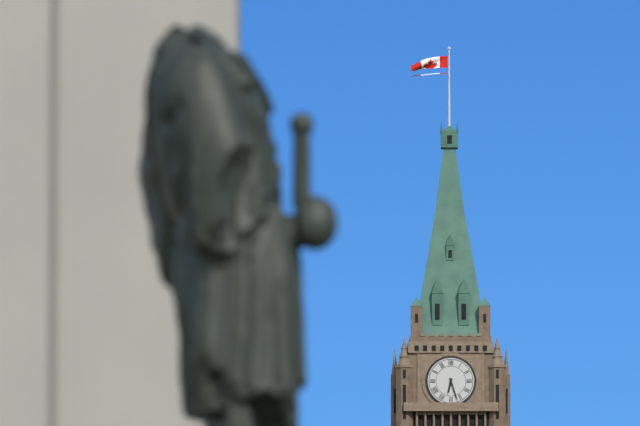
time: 6:27
